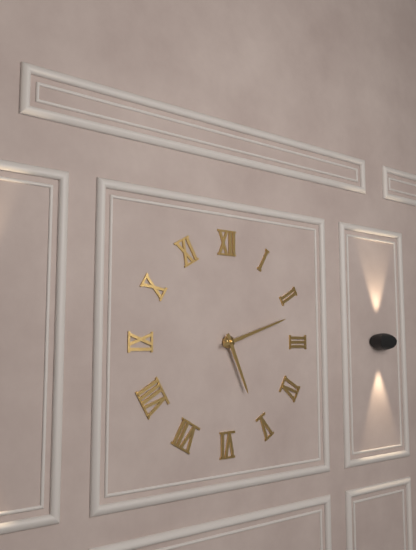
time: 5:12
